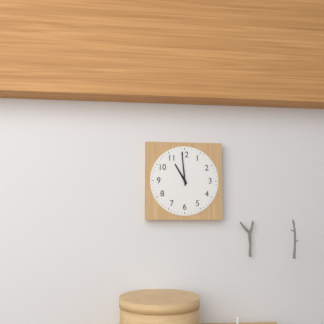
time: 10:59
